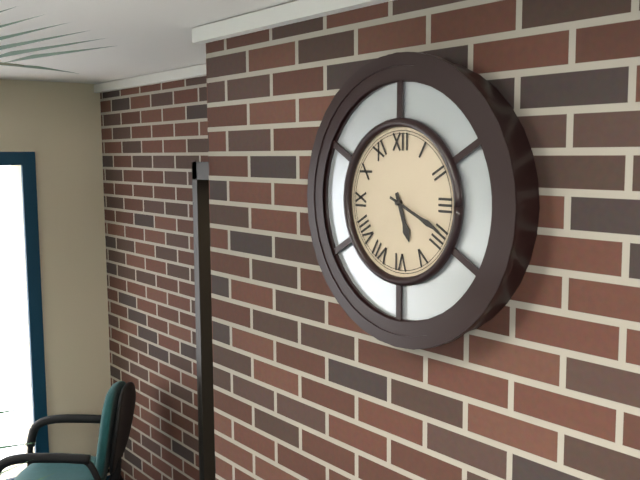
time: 5:19
